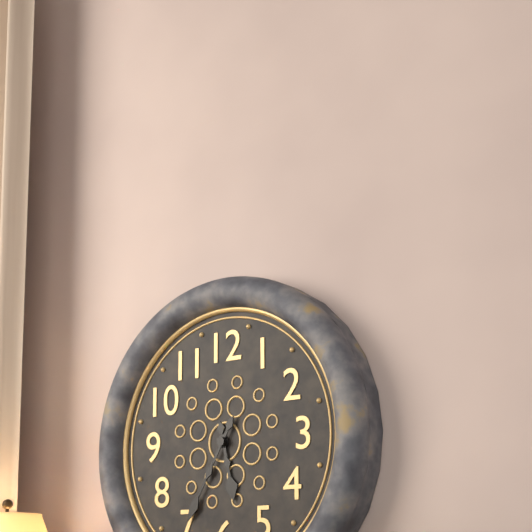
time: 5:35
